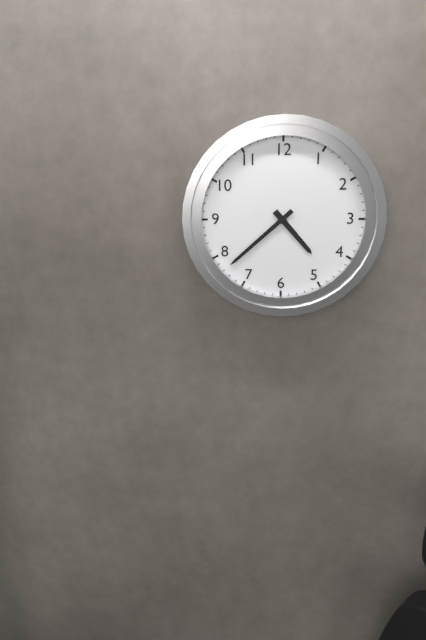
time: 4:38
